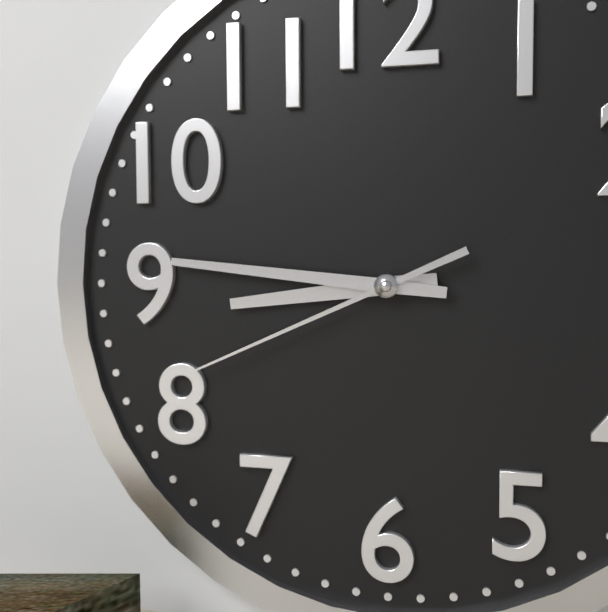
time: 8:46:41
